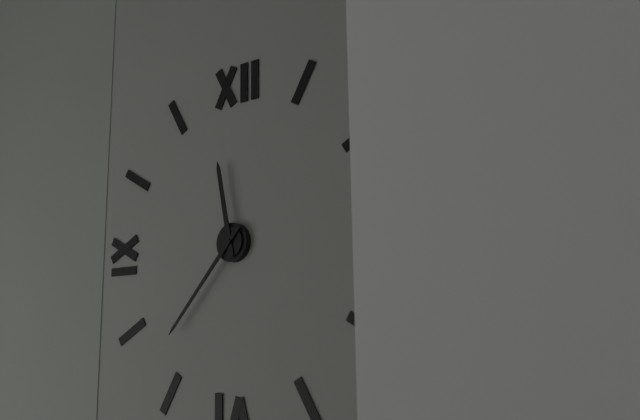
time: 11:37
